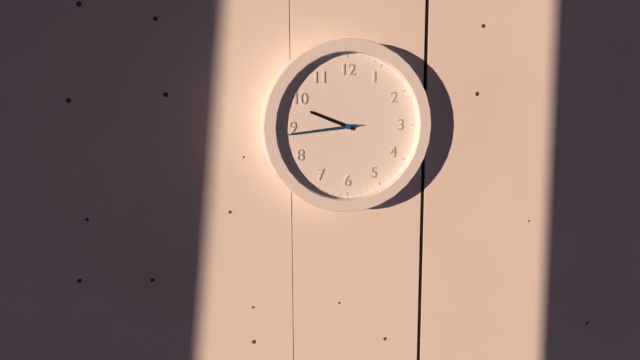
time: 9:44:44
